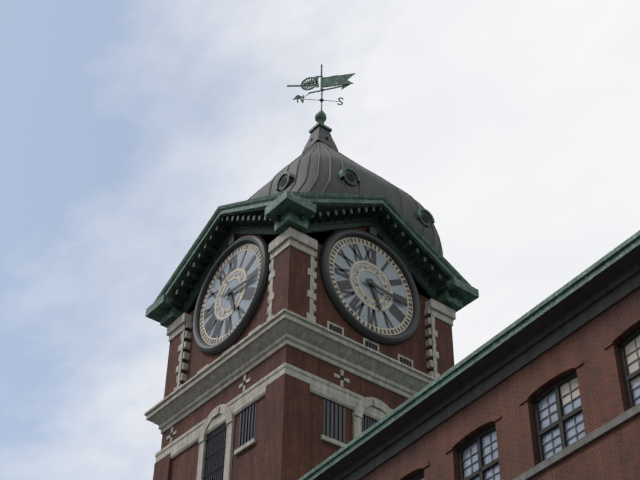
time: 5:16
